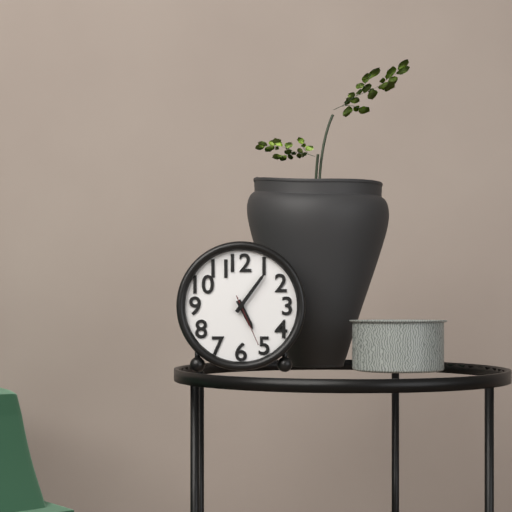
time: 5:06:26
